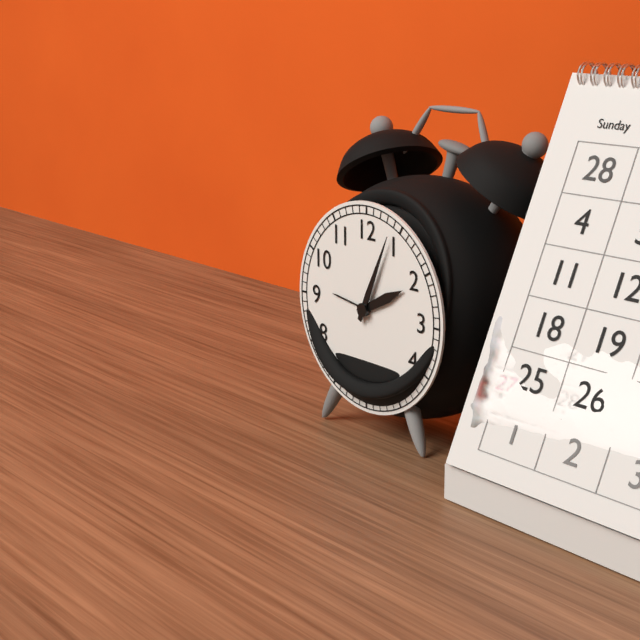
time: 2:04
